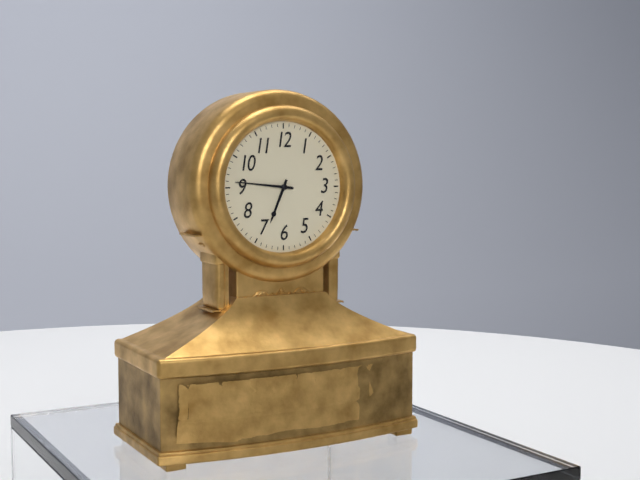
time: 6:46
